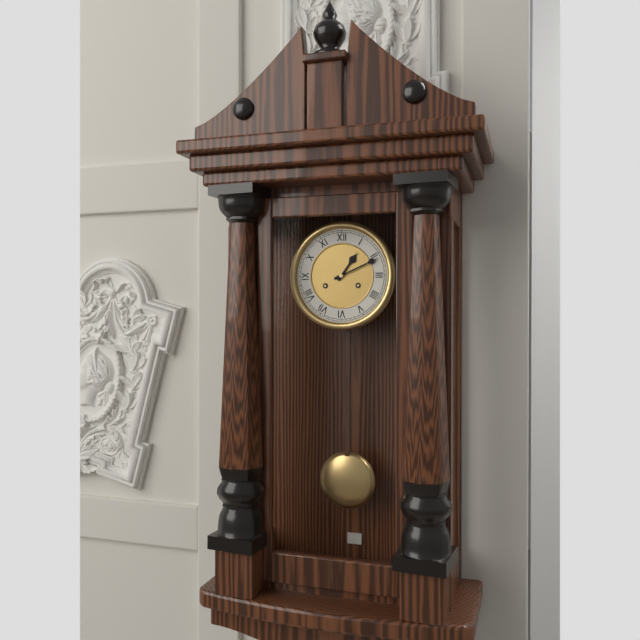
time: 1:11
